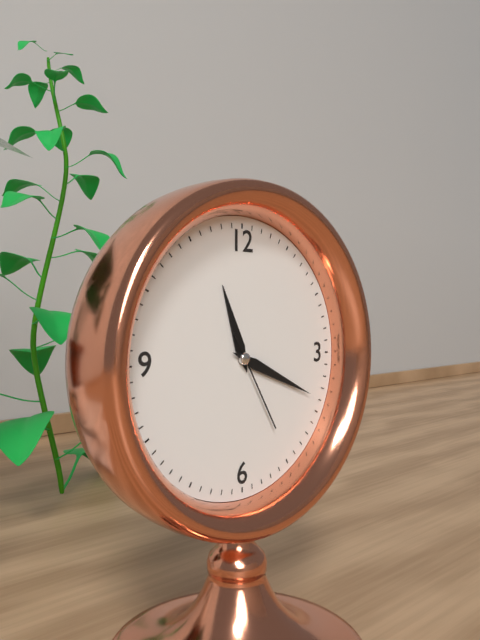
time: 11:19:25
